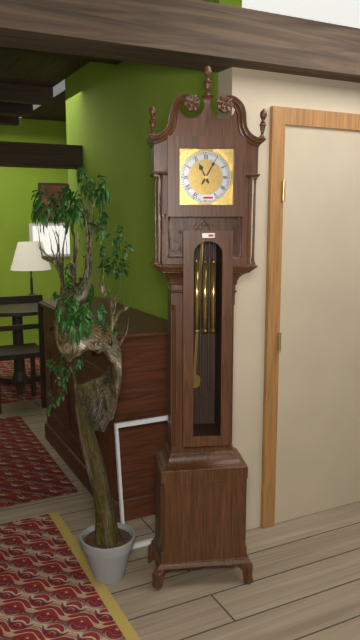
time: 11:05
